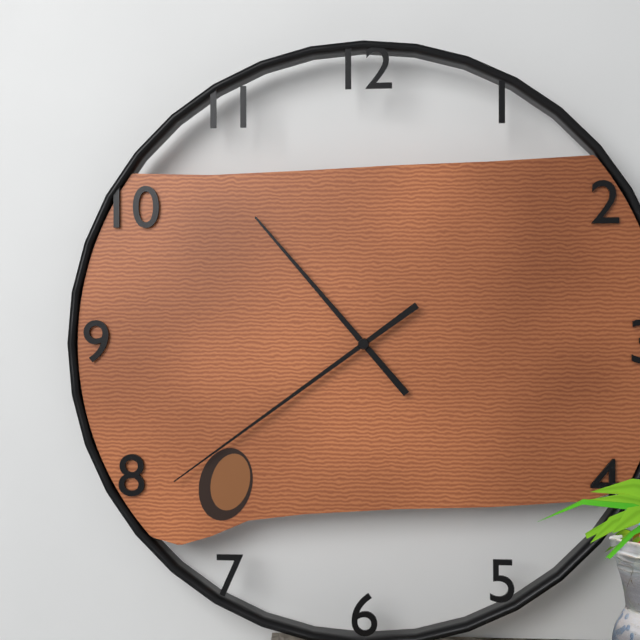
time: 10:39
